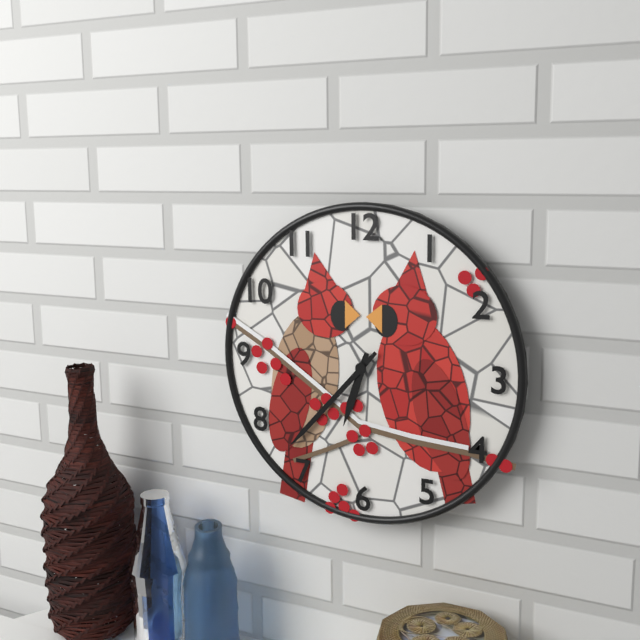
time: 6:37
